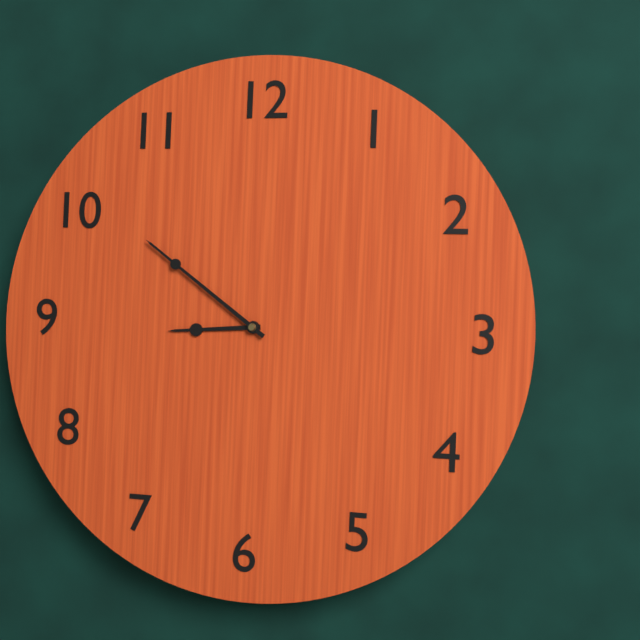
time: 8:51
